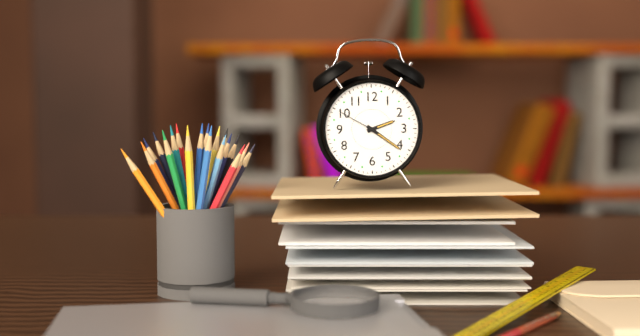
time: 2:21
